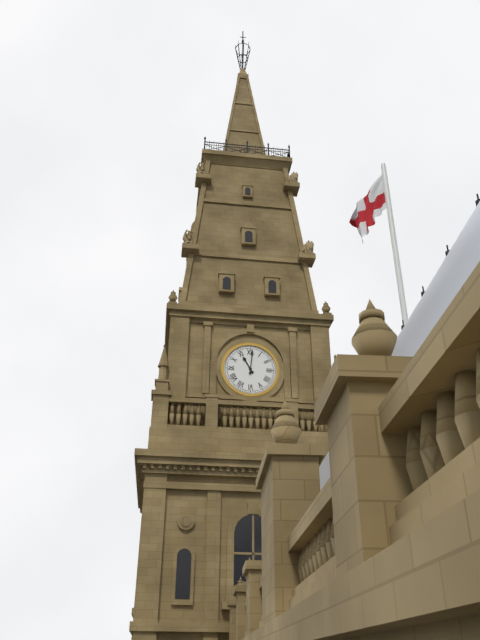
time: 11:01
